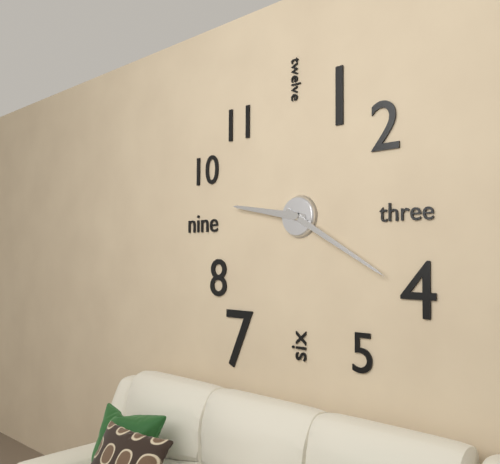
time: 9:20
